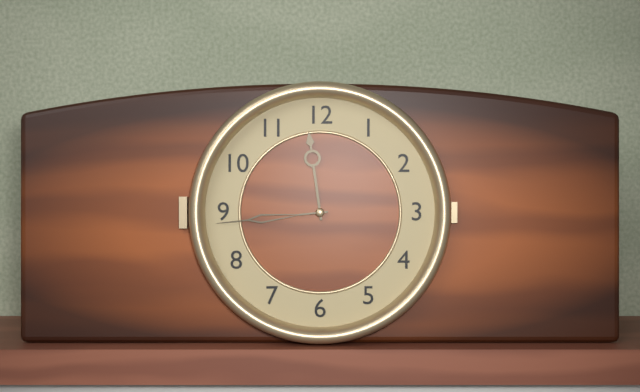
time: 11:44
